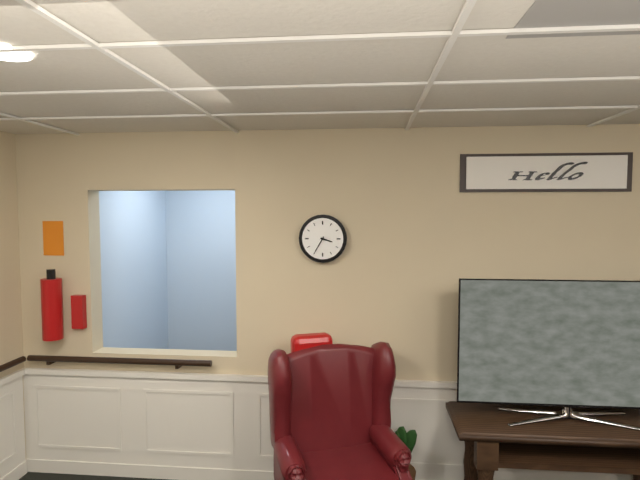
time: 3:35
